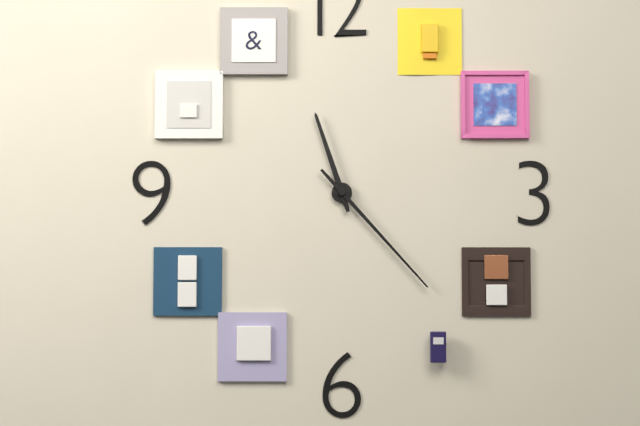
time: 11:23
